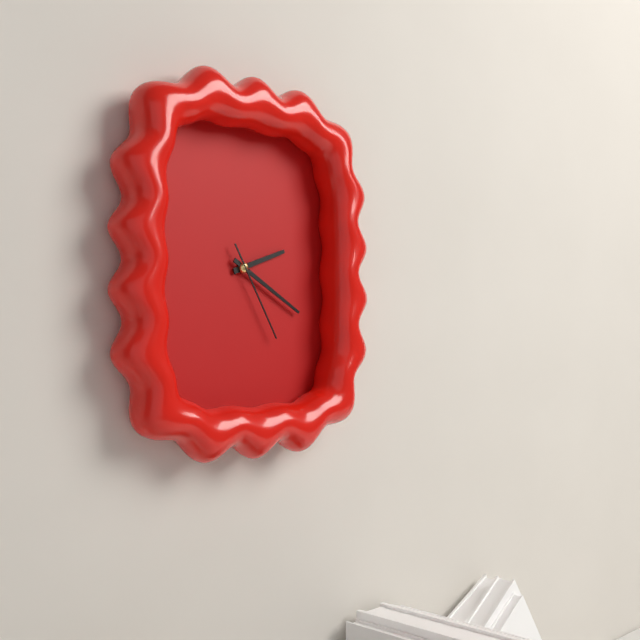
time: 2:20:25
